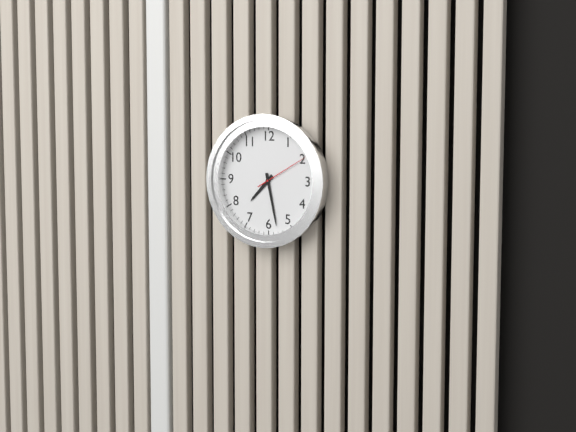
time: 7:28:10
